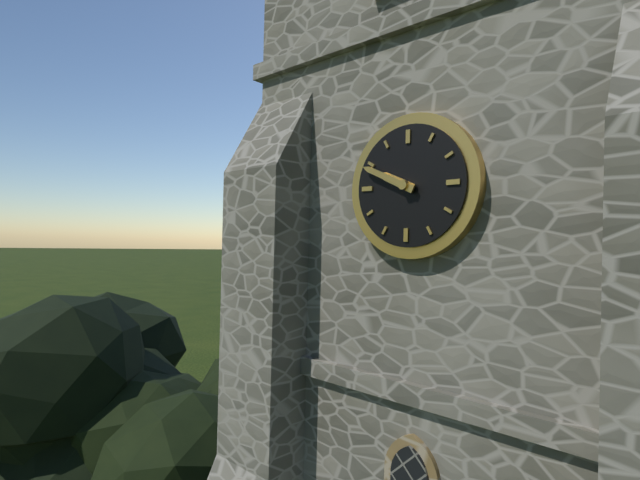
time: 9:49
